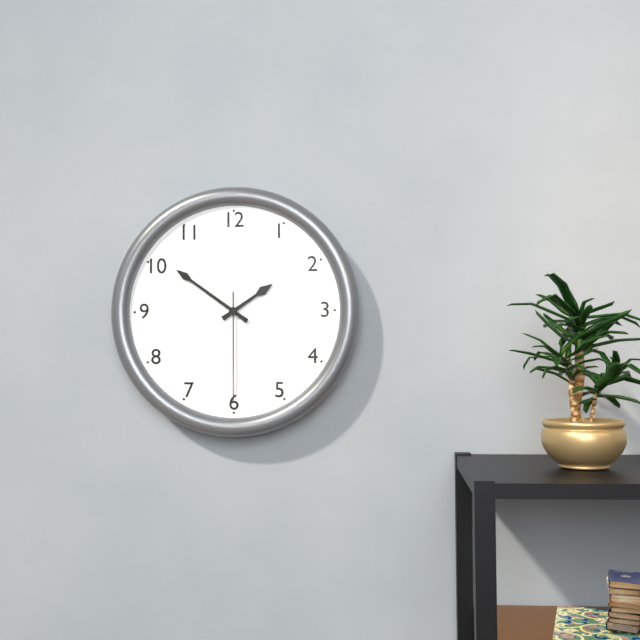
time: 1:51:30
